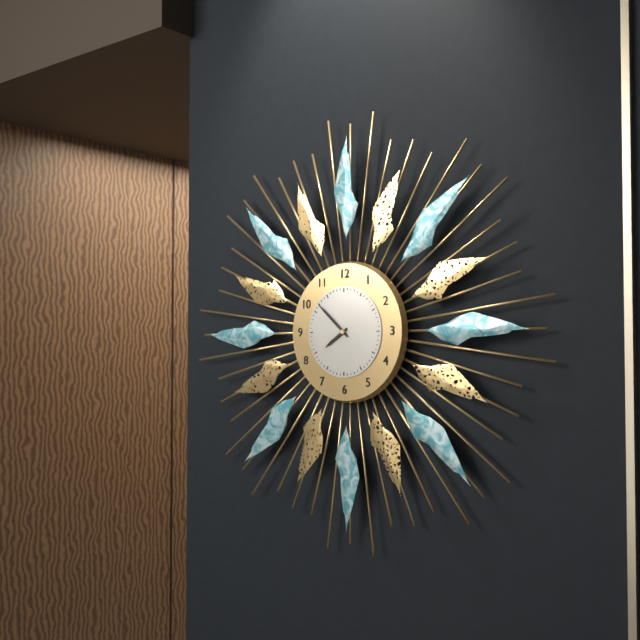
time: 7:52
